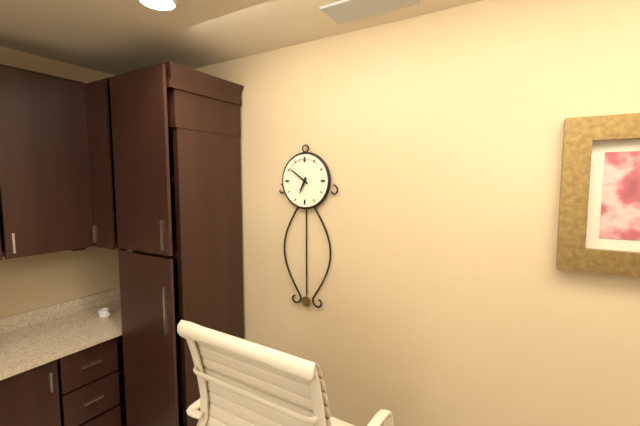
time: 6:51
